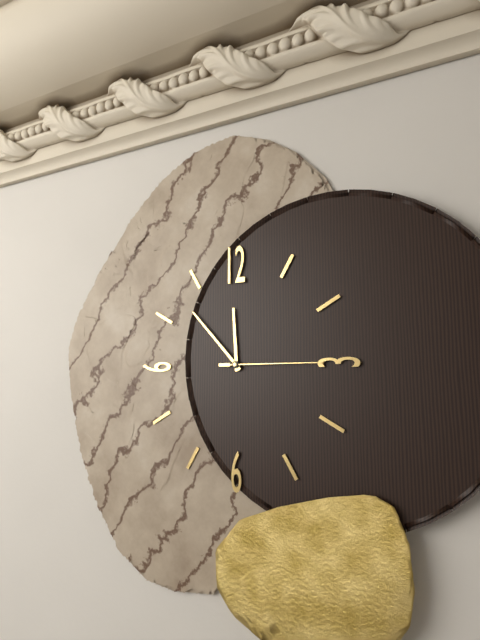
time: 11:53:15
